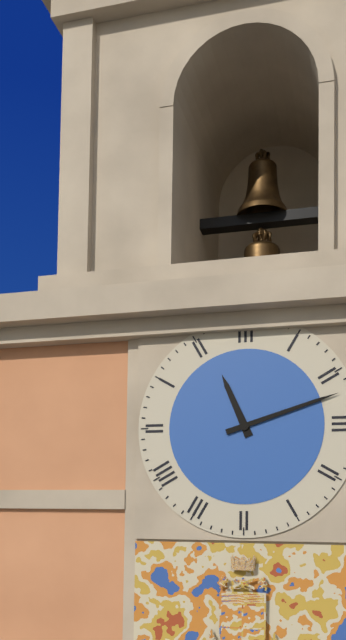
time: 11:12
